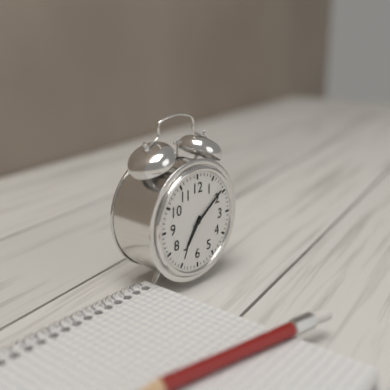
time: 7:09
